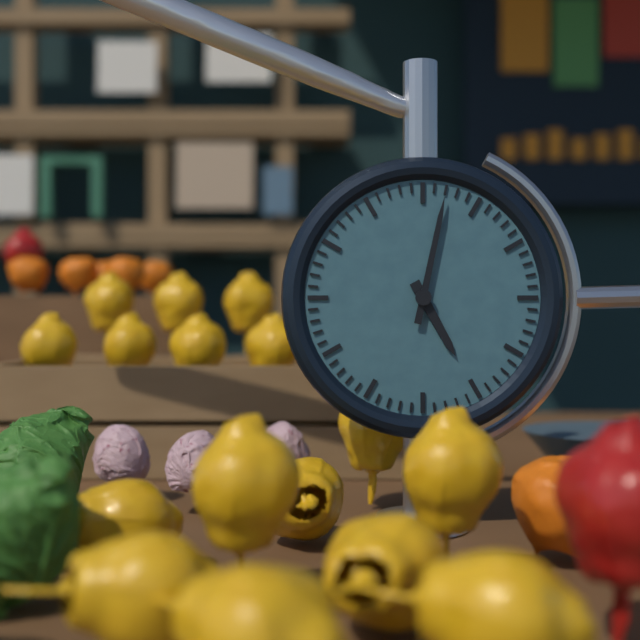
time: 5:02
